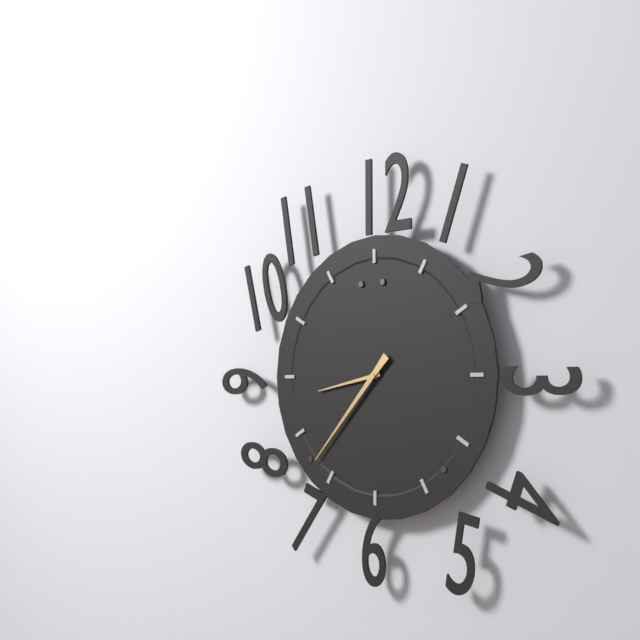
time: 8:37
